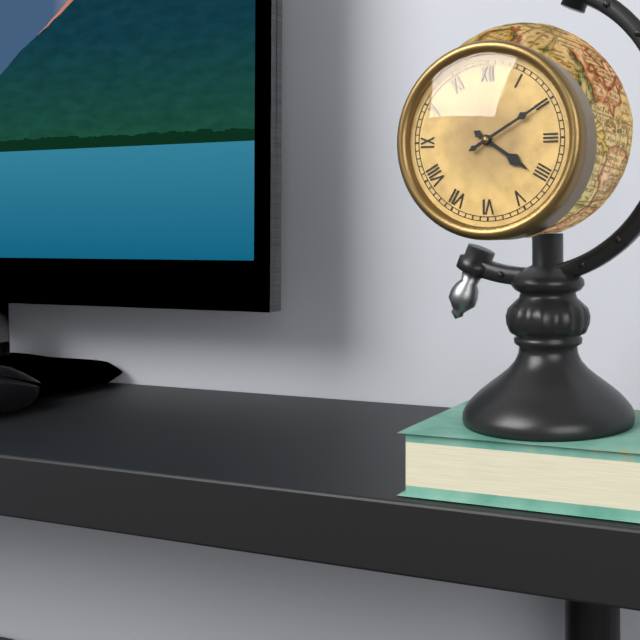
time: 4:10
